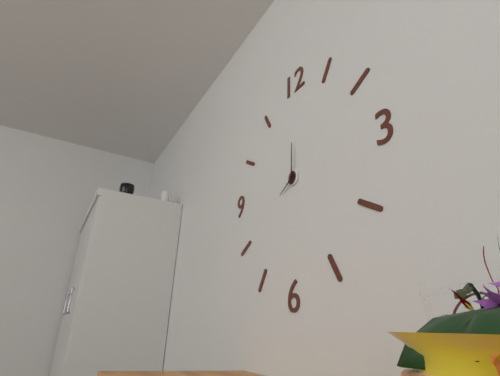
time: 8:00
